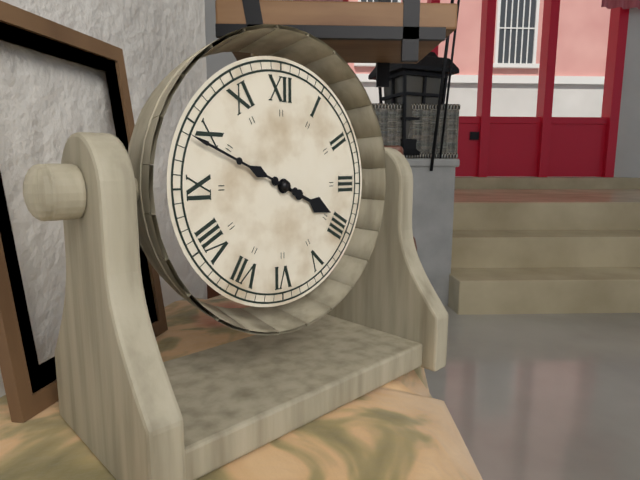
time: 3:49
